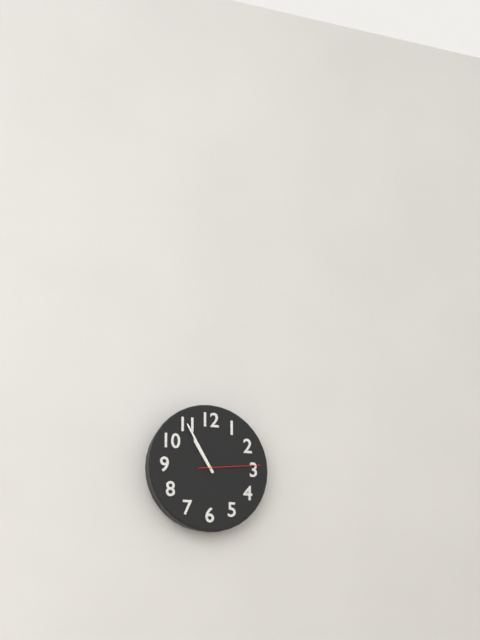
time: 10:55:14
